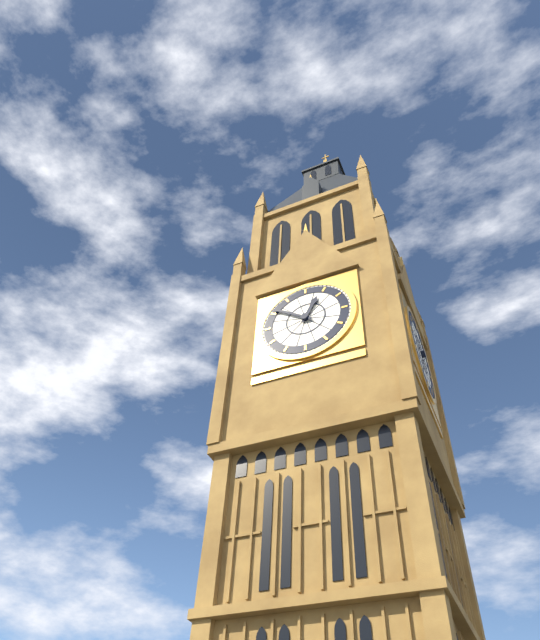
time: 12:51
